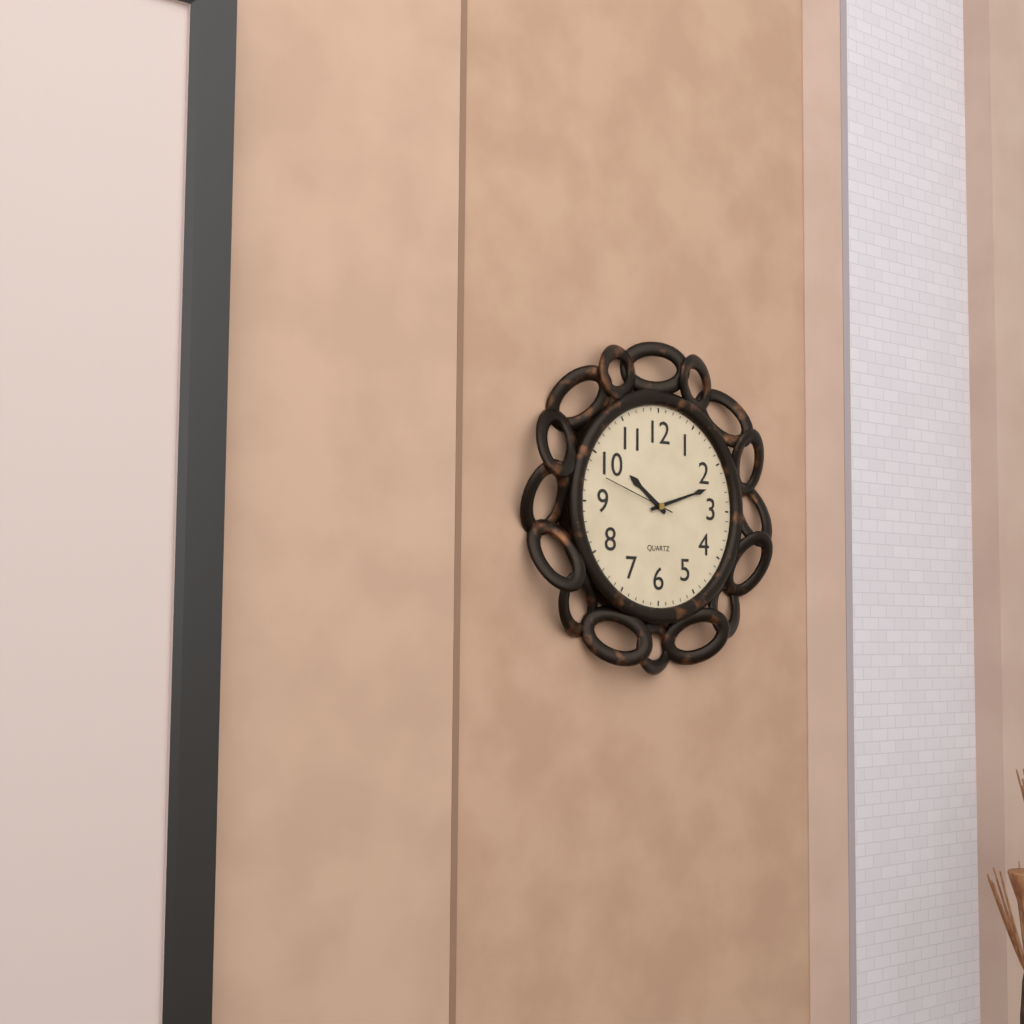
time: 10:12:48
